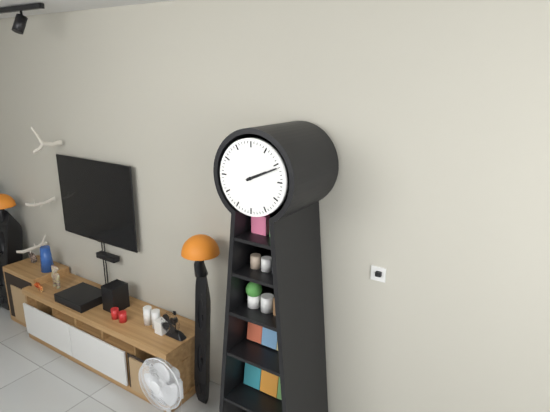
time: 2:11
